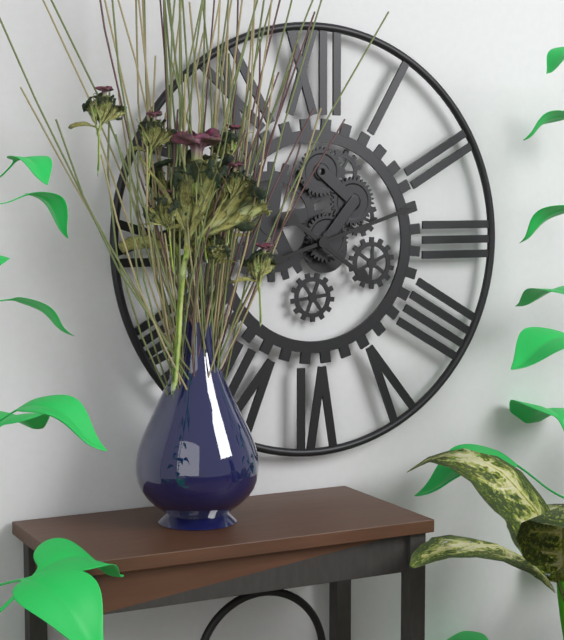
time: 4:12
